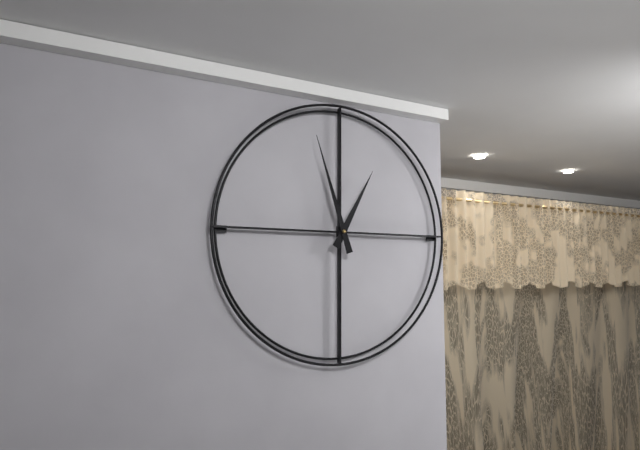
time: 12:57
